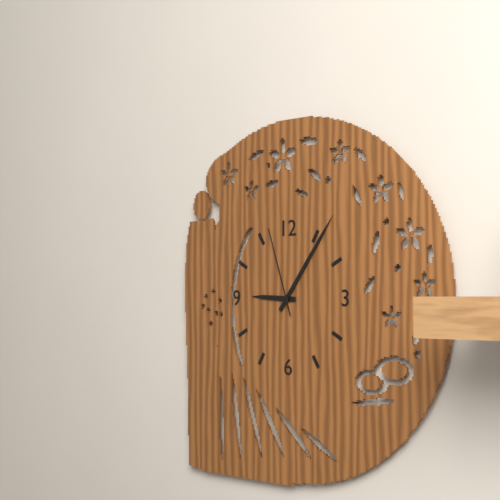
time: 9:06:57
